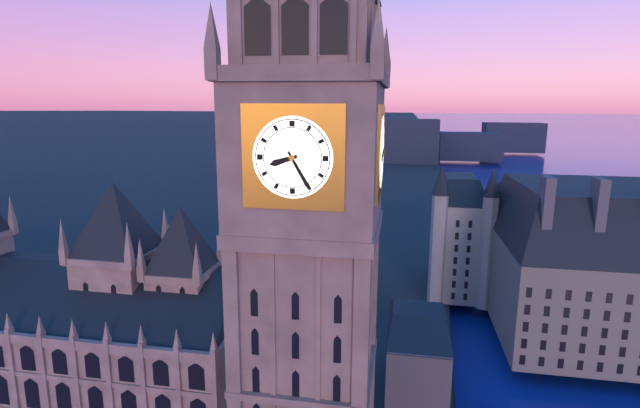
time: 8:25
